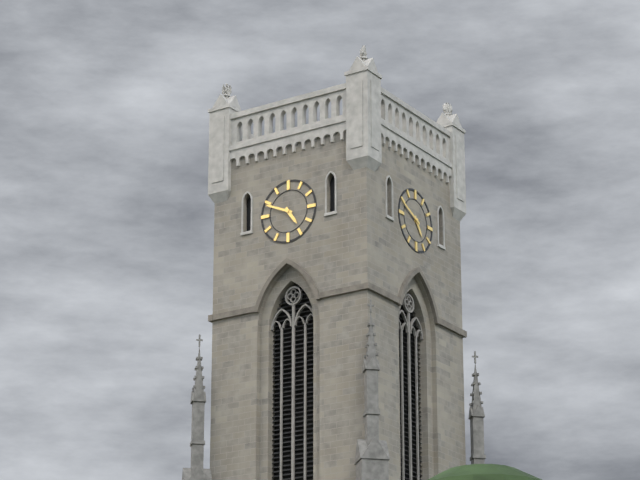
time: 4:49
